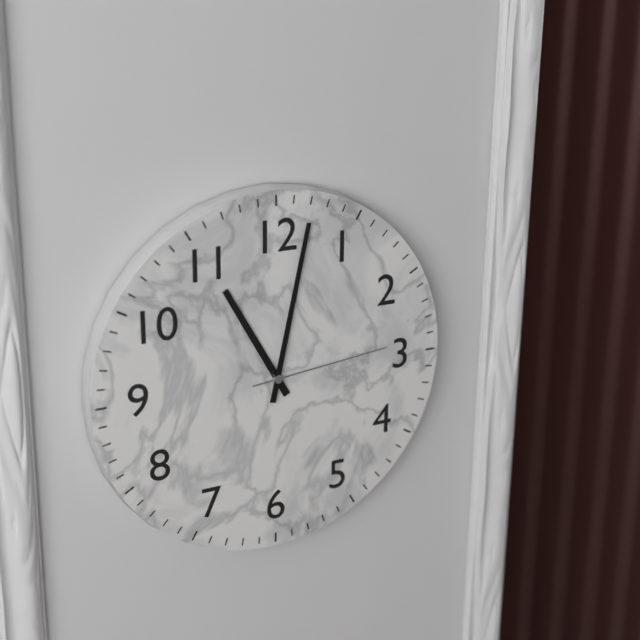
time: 11:02:14
